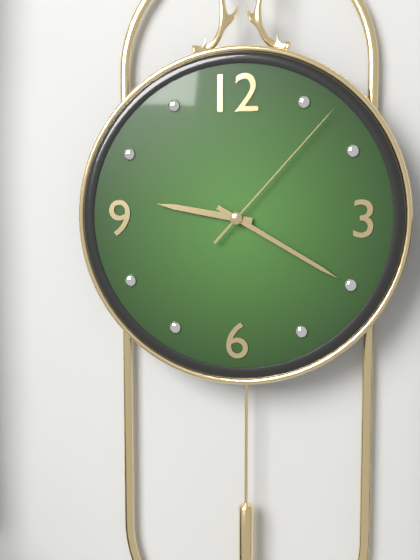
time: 9:20:07
